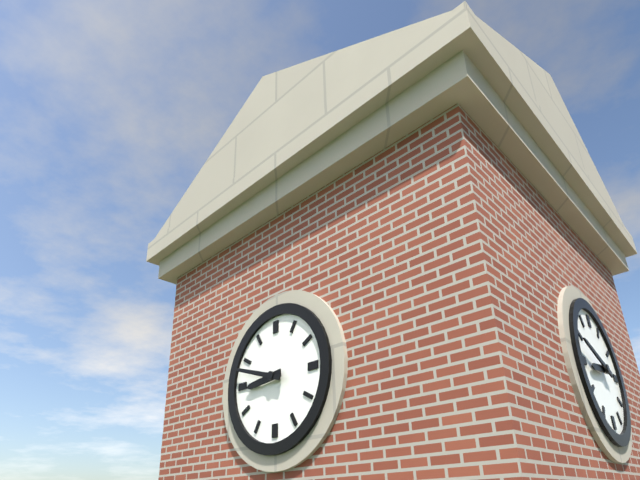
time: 8:48
